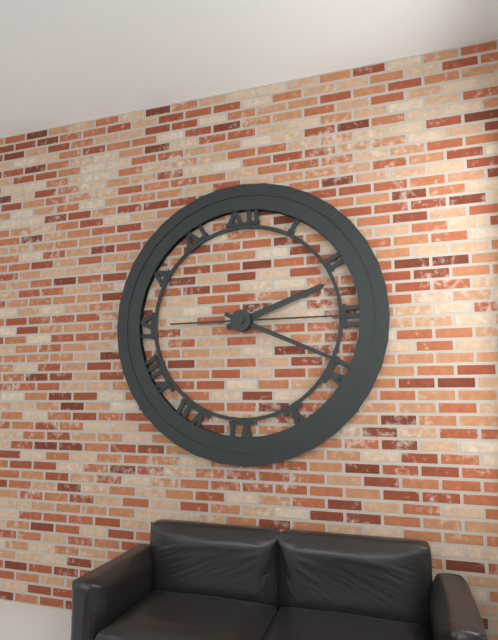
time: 2:19:15
